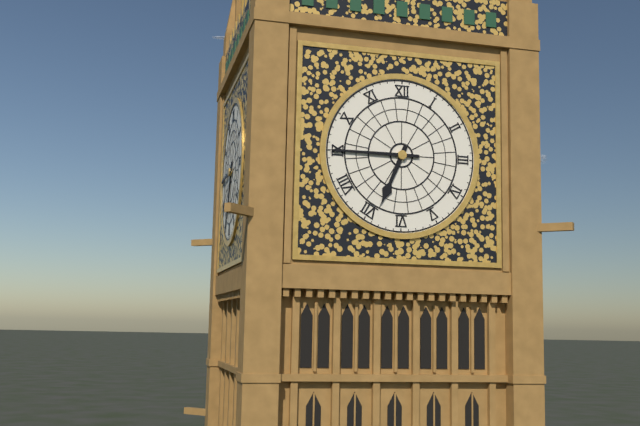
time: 6:45
